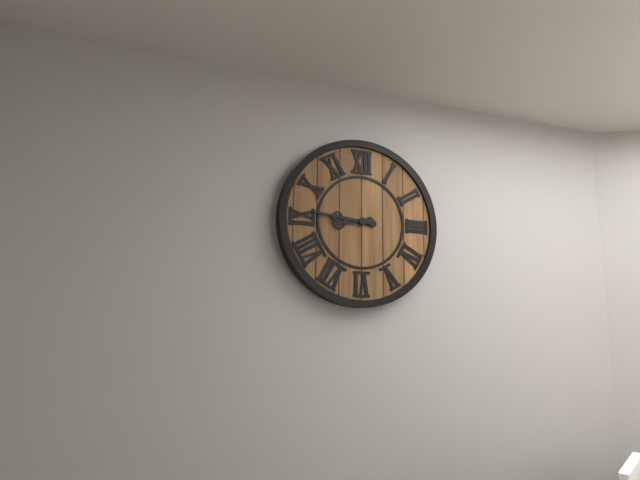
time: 8:46
